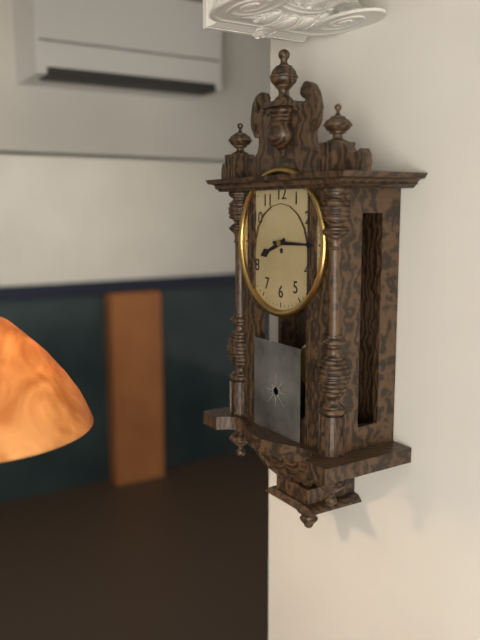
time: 8:15
